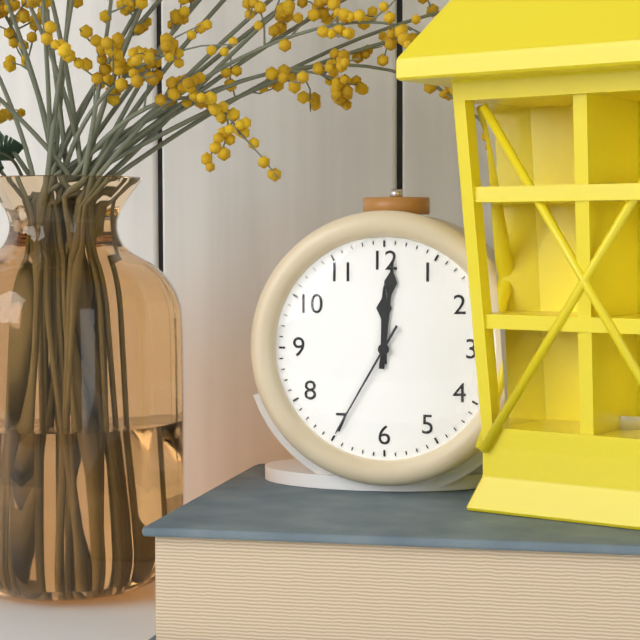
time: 12:01:35
